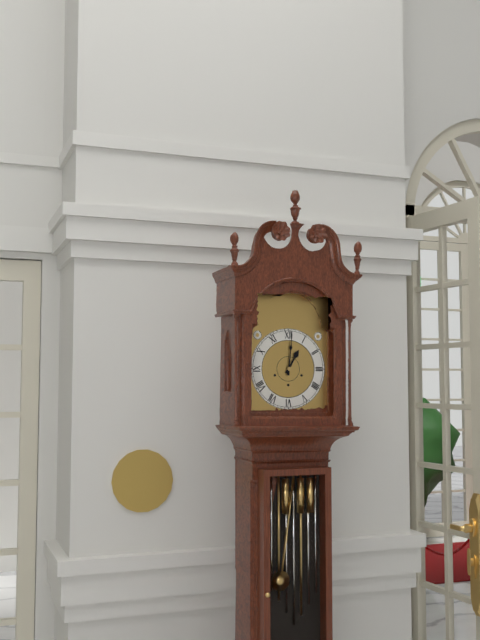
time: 1:01
